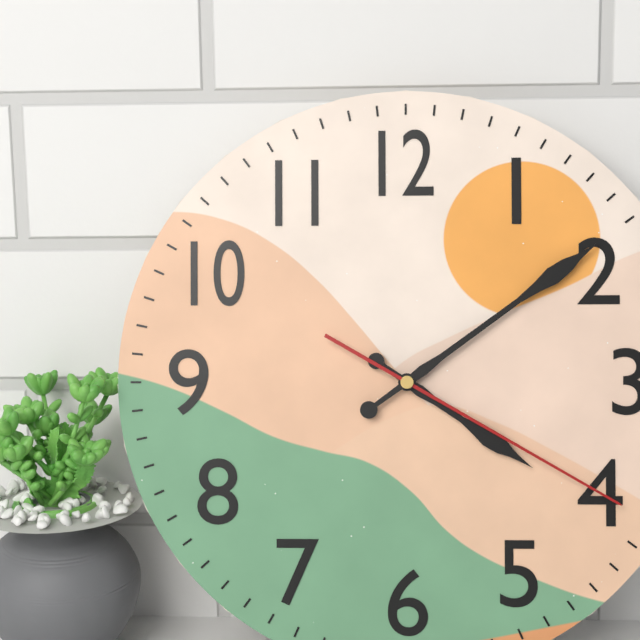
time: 4:09:20
